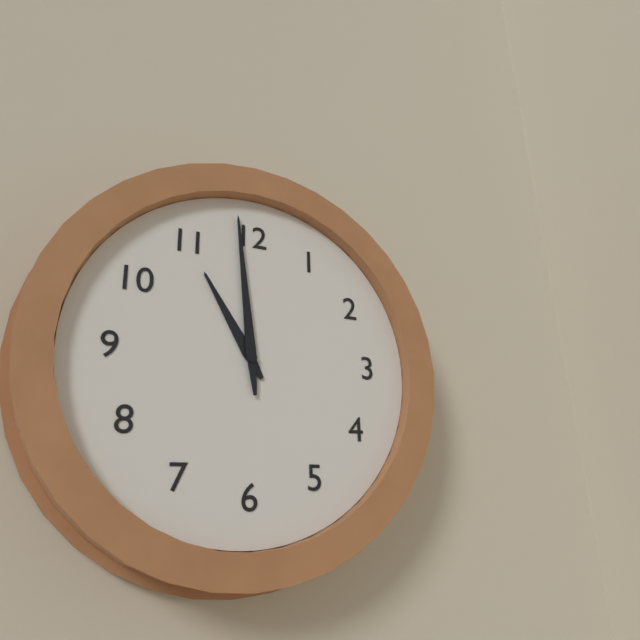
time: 10:59
